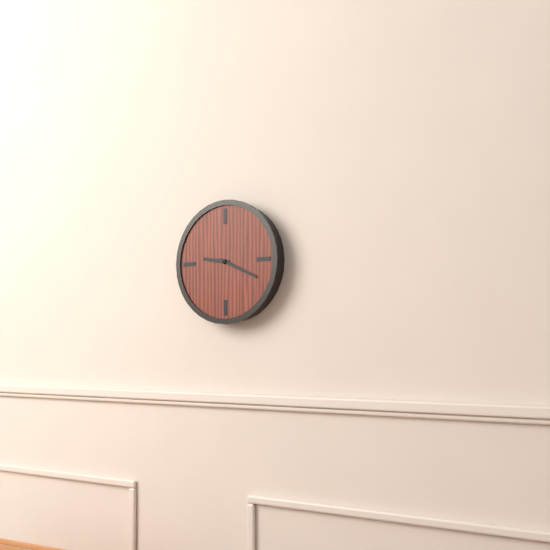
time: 9:19
